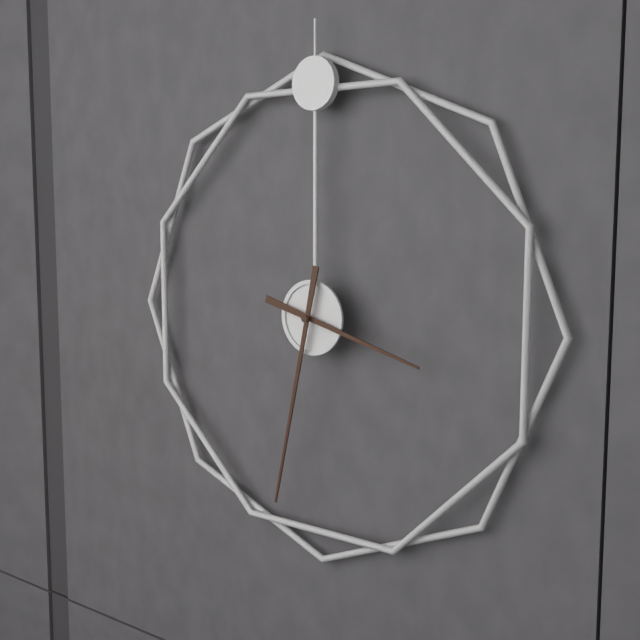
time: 3:32
